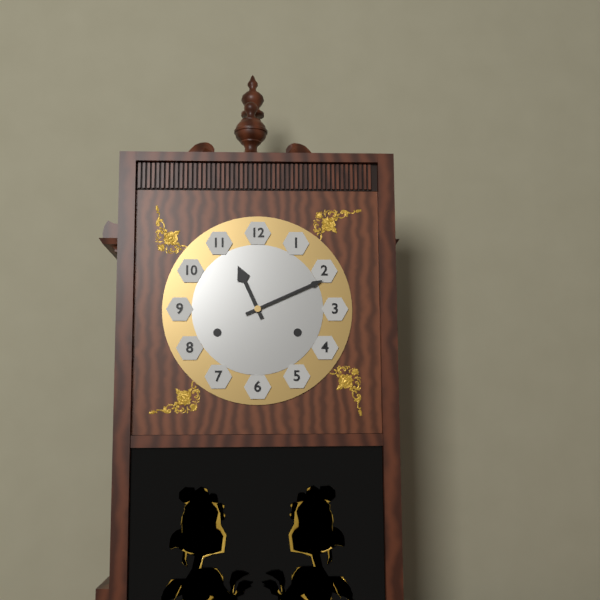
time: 11:11
